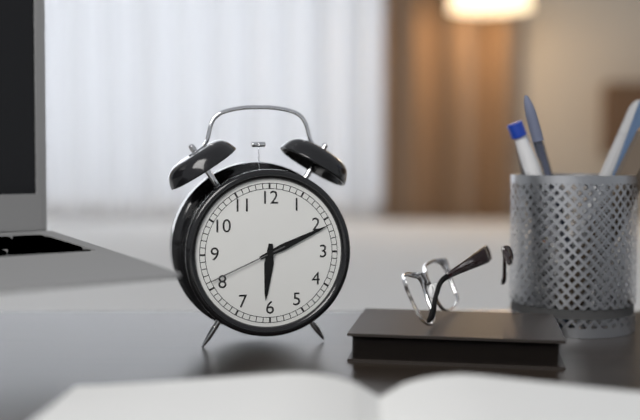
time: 6:11:41
